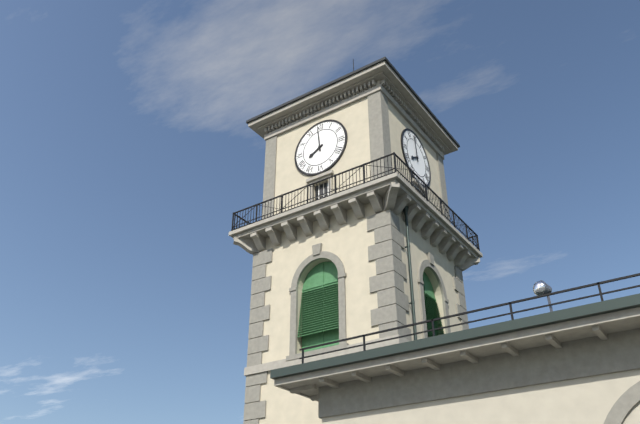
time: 7:59
